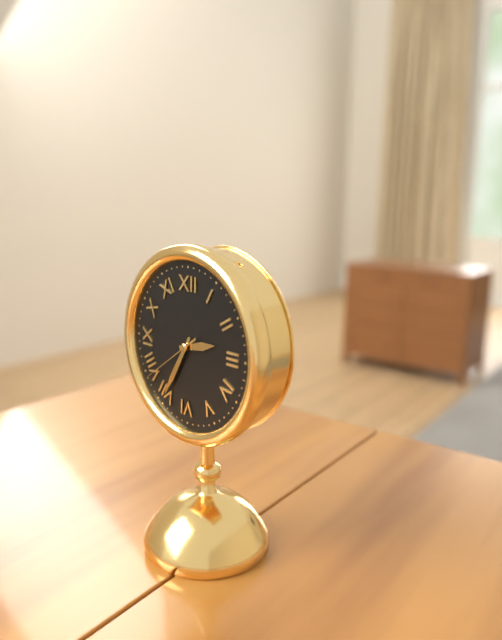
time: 2:35:39
